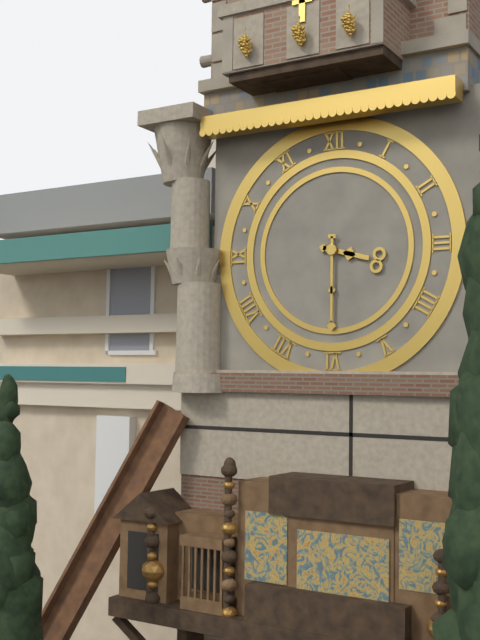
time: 3:30
